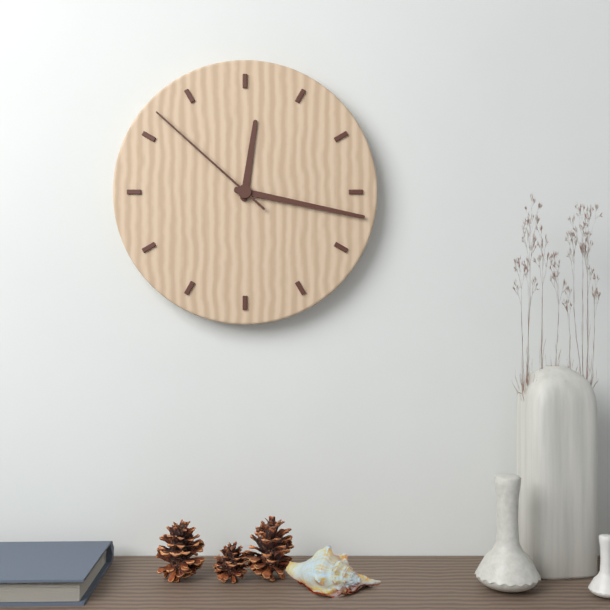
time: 12:17:52
